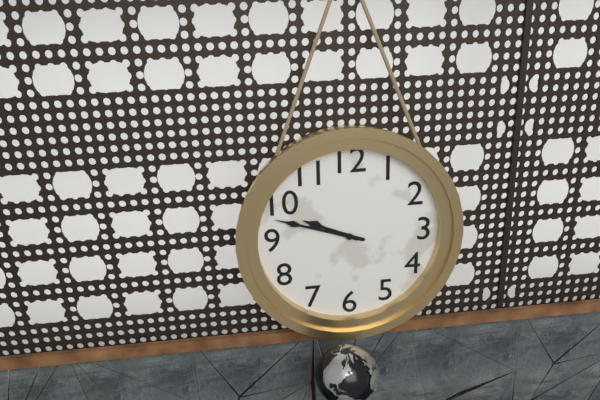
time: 9:48
